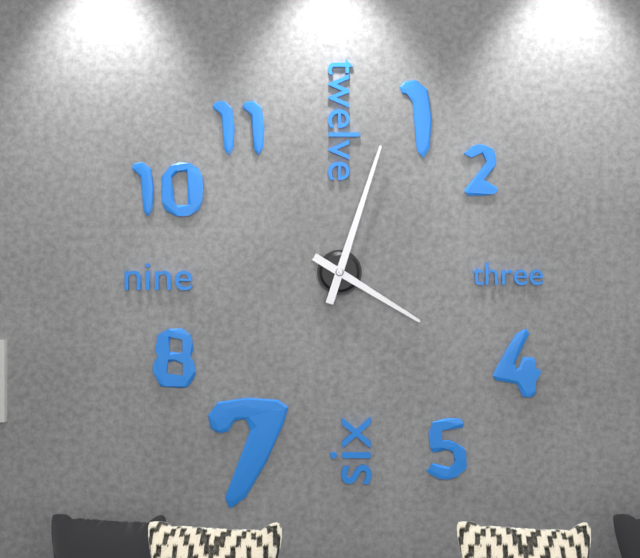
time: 4:03
